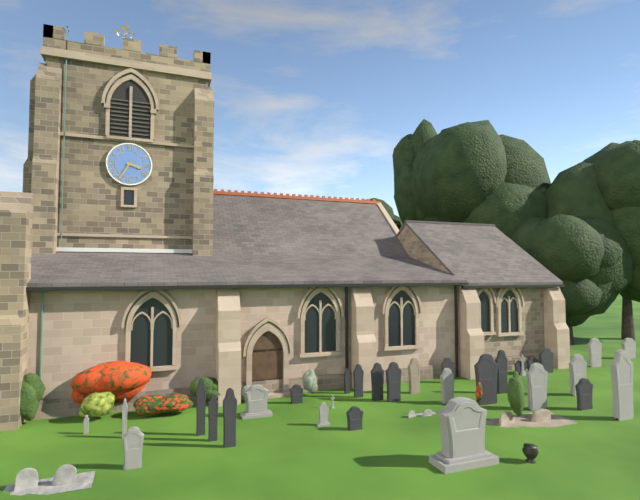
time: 3:35
